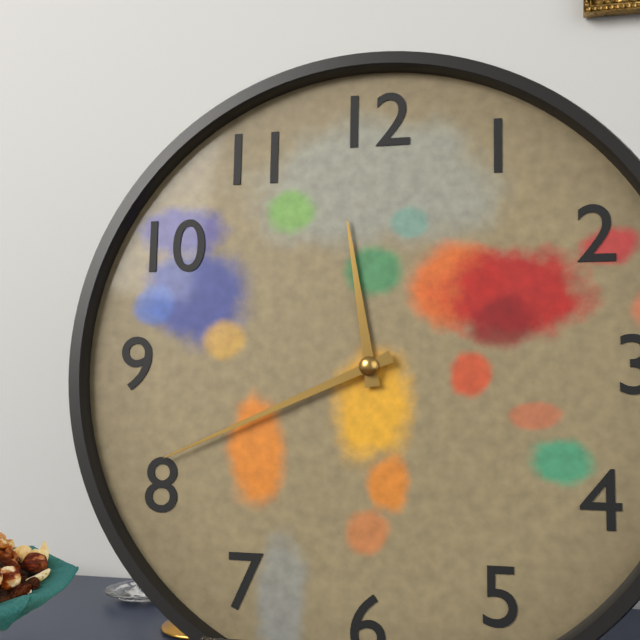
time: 11:41
